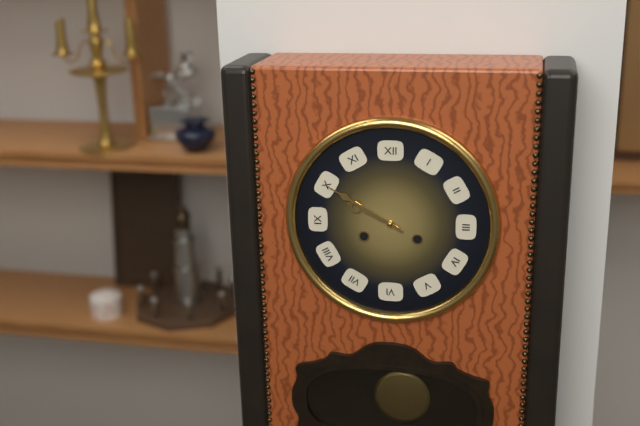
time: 9:50
